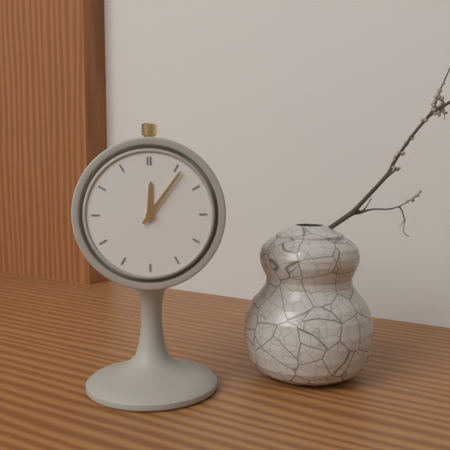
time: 12:06
